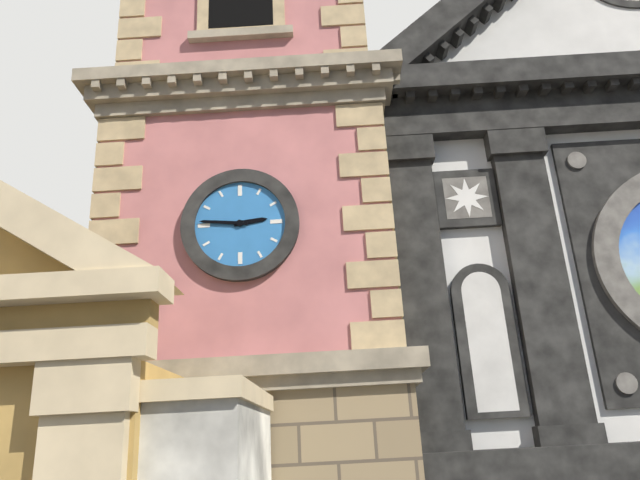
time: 2:46
